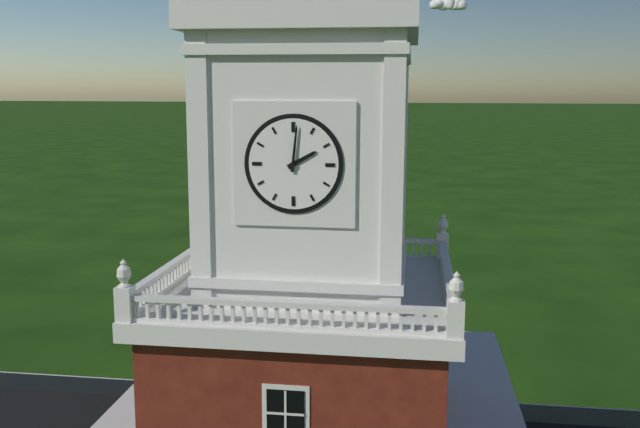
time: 2:01
